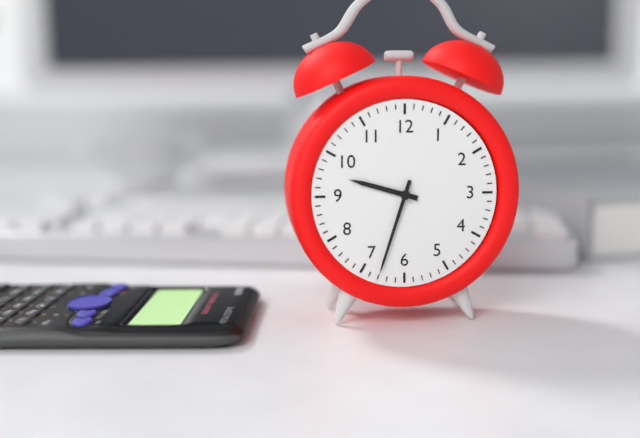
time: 9:33
